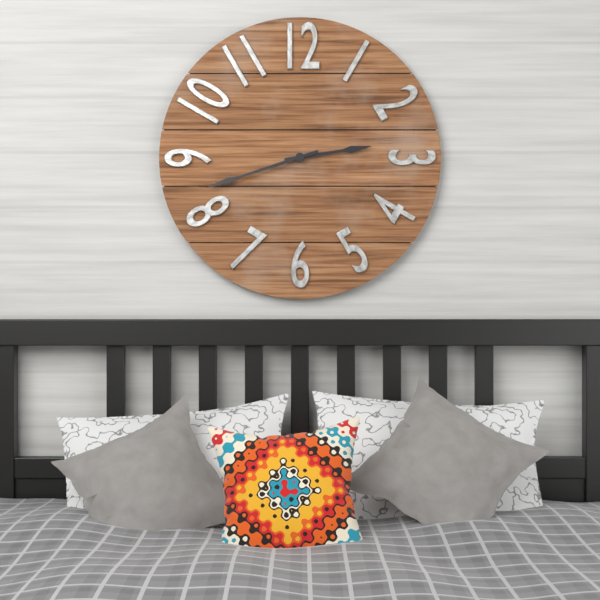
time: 2:42
